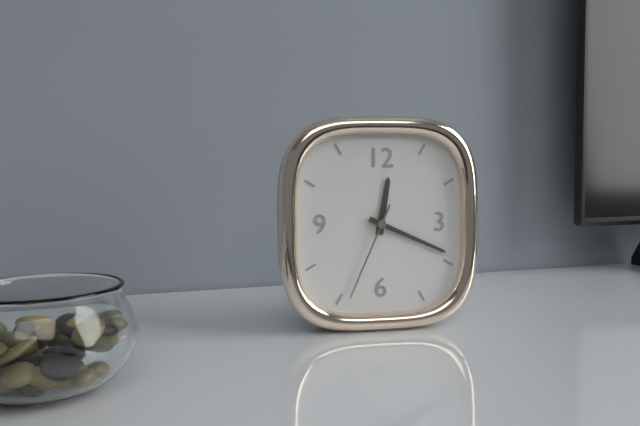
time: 12:19:34
